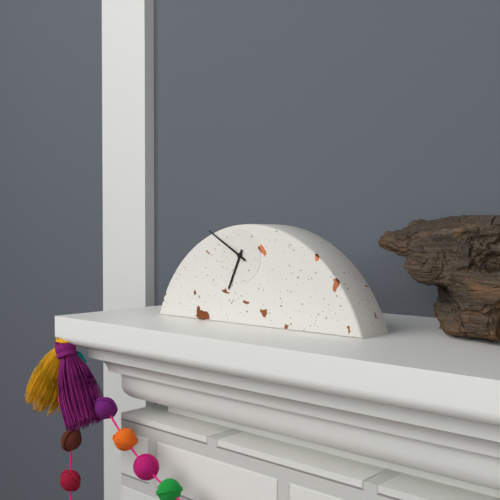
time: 6:50
